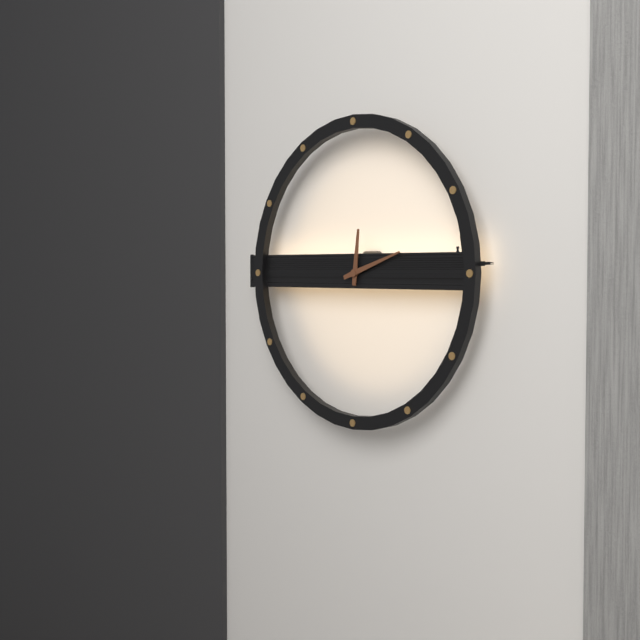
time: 12:12
